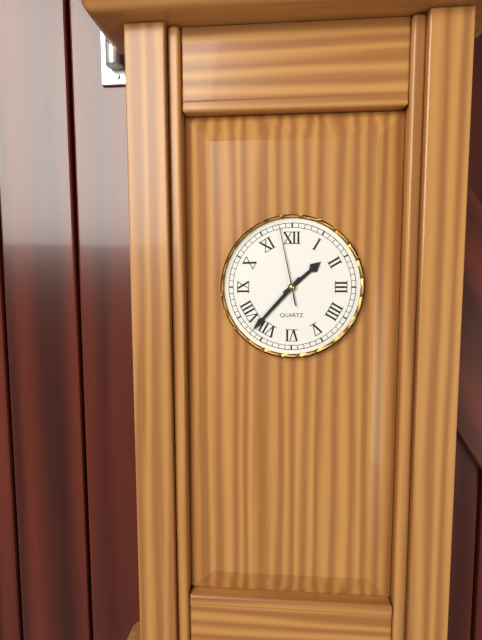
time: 1:37:58
